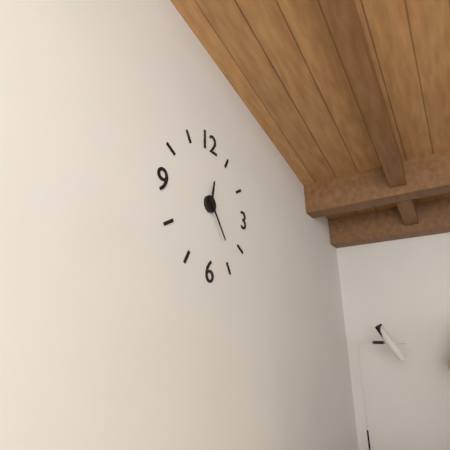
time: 12:24
